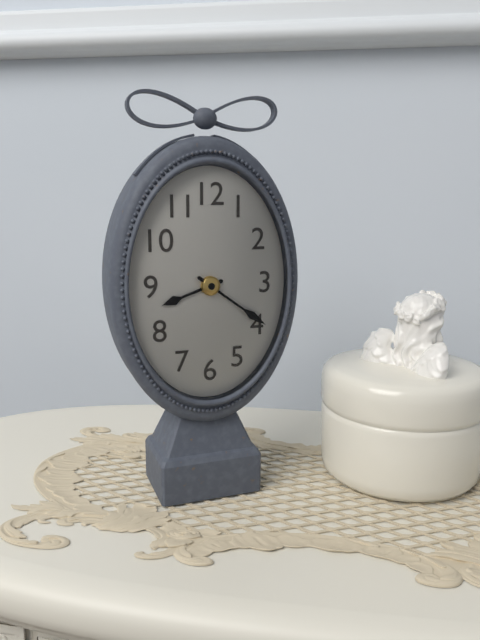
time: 8:21
